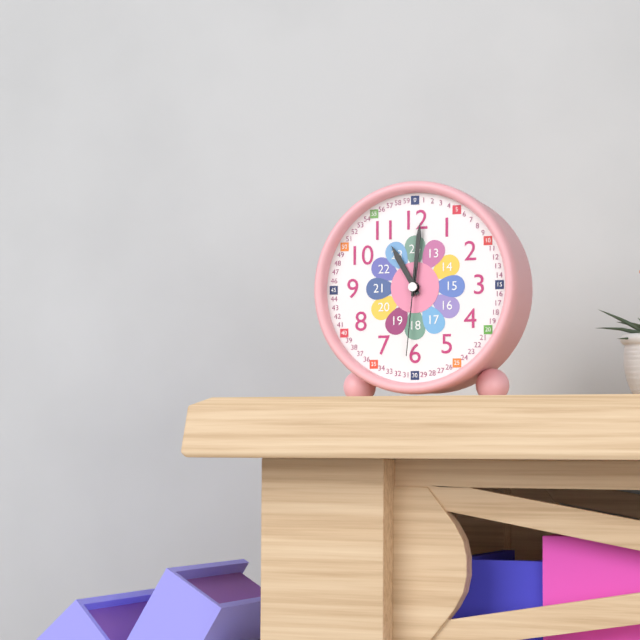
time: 11:01:31
